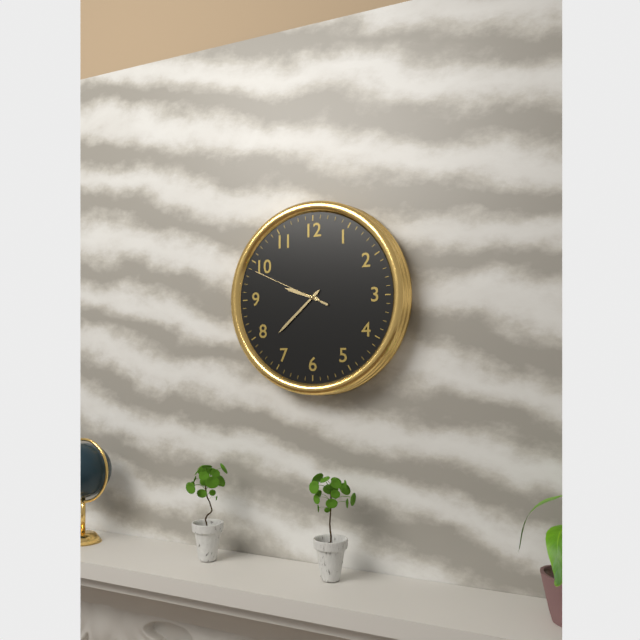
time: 9:38:49
